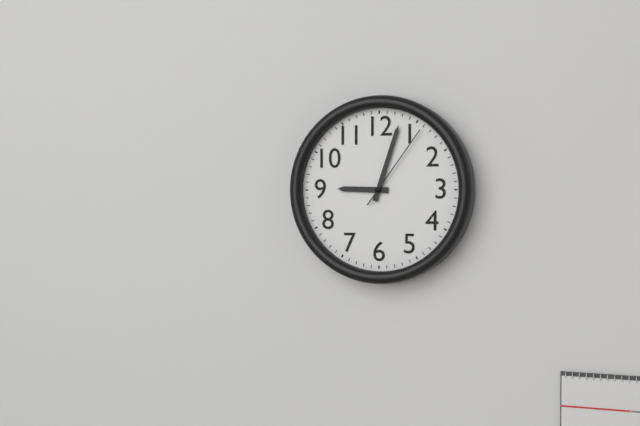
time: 9:03:06
